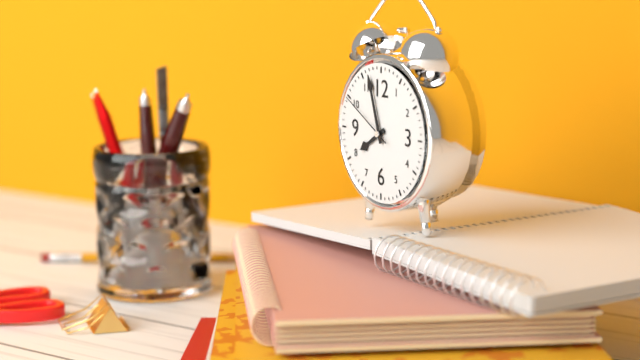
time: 7:57:50
